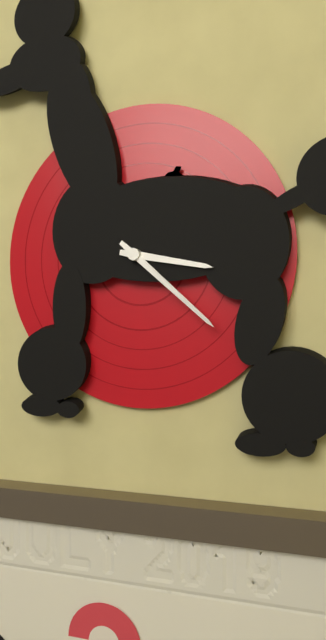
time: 3:22
